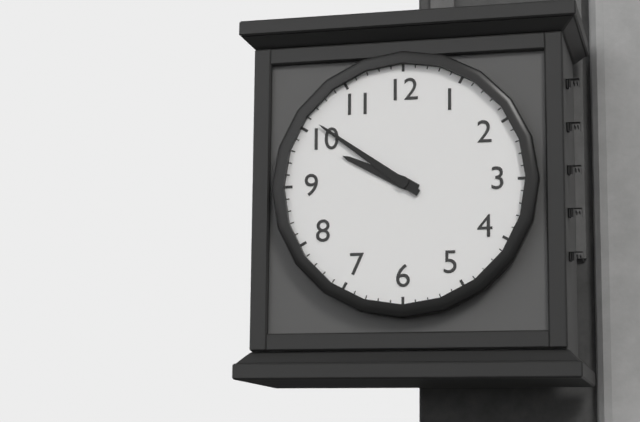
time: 9:51
